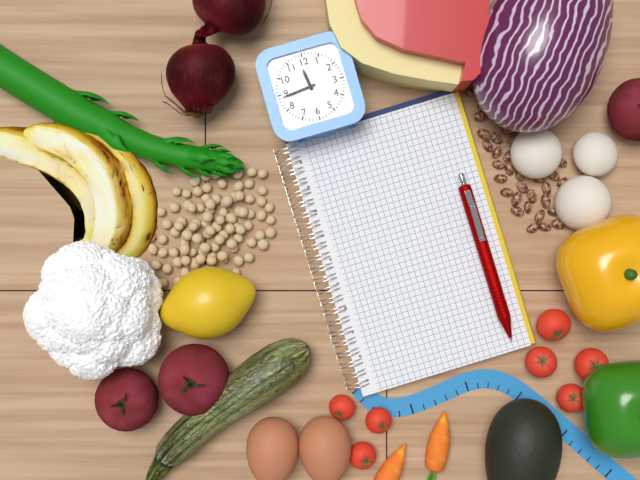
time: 11:44
